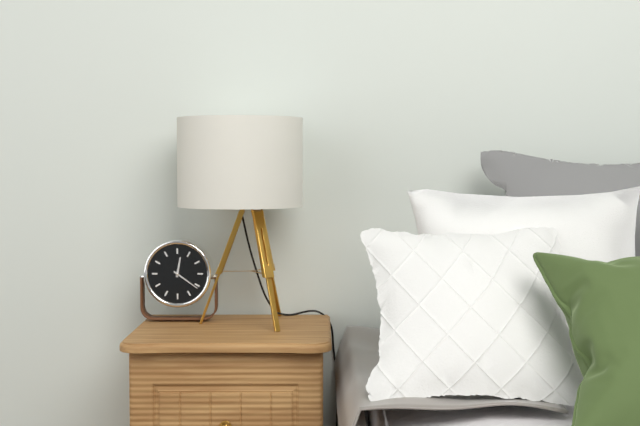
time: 12:21
